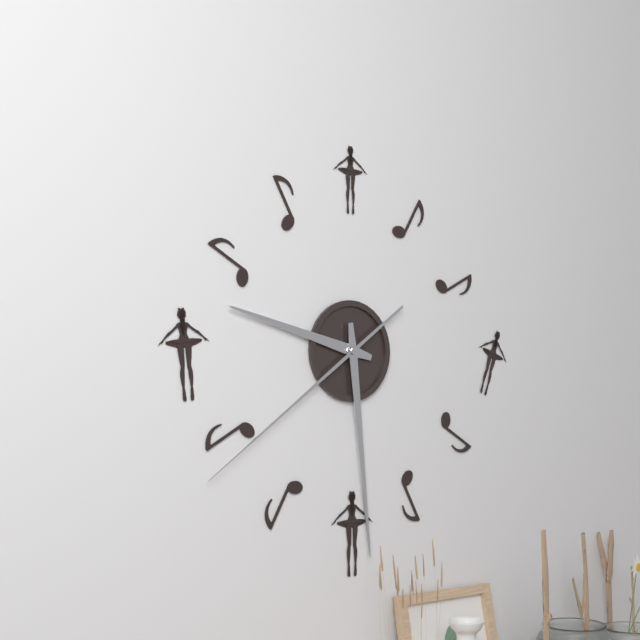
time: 9:29:39
